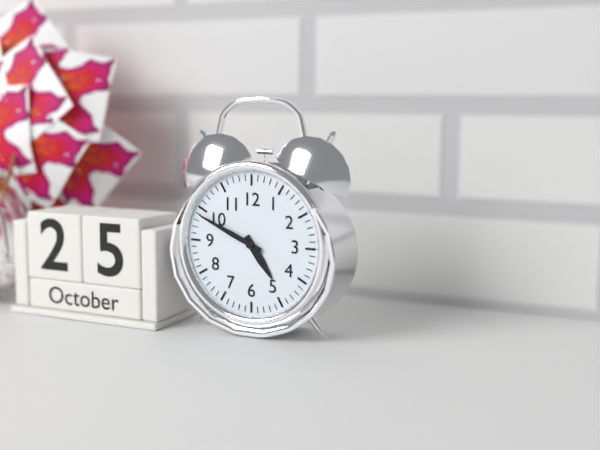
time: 4:49
